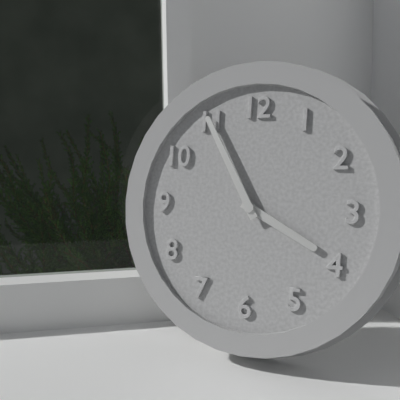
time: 3:55
